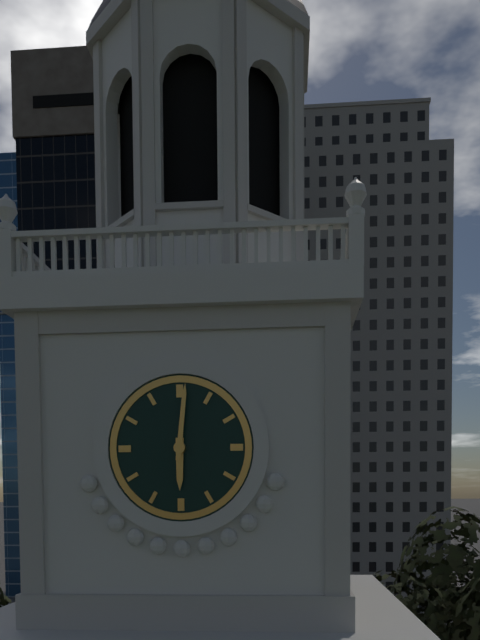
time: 6:01
